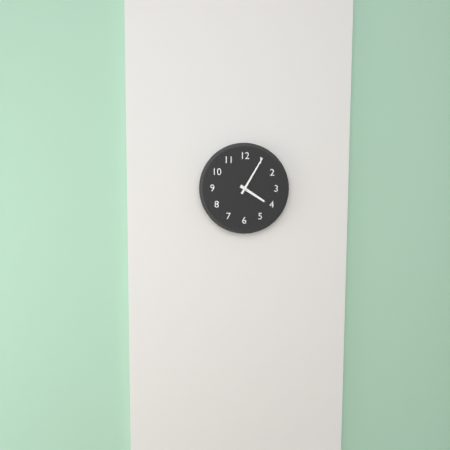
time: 4:05
